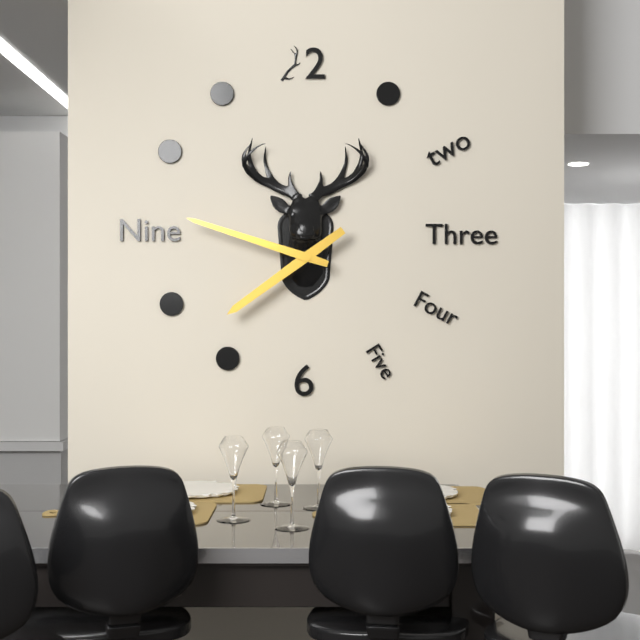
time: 7:48
